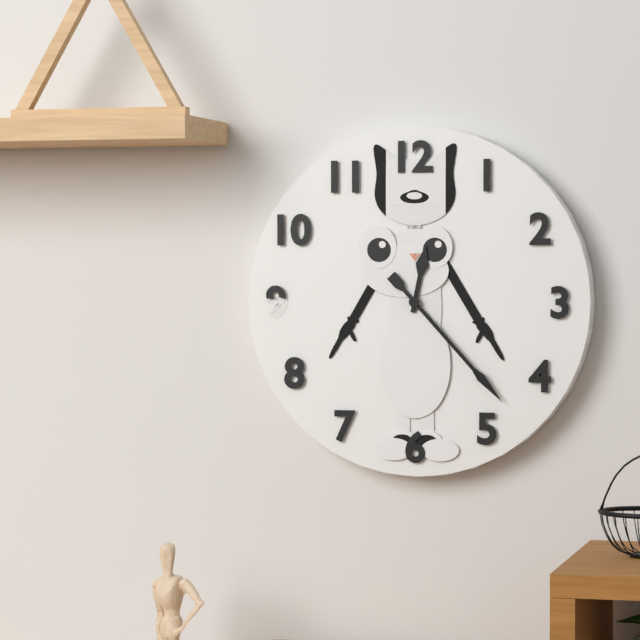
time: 12:23
